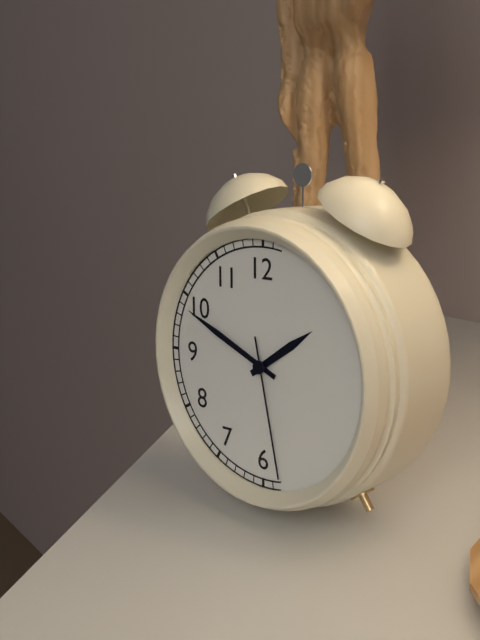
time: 1:49:28
